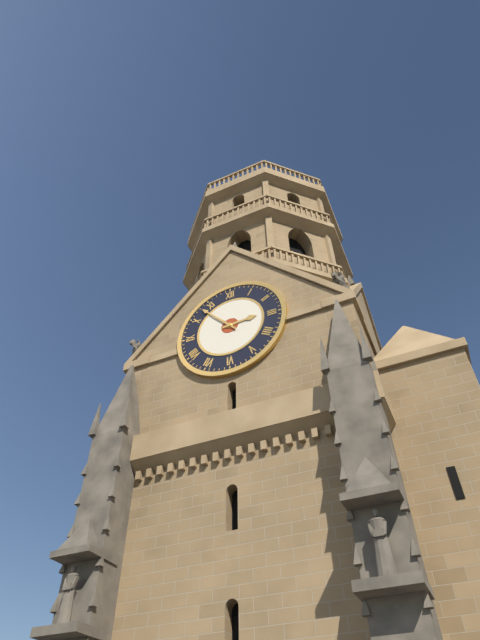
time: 2:53
